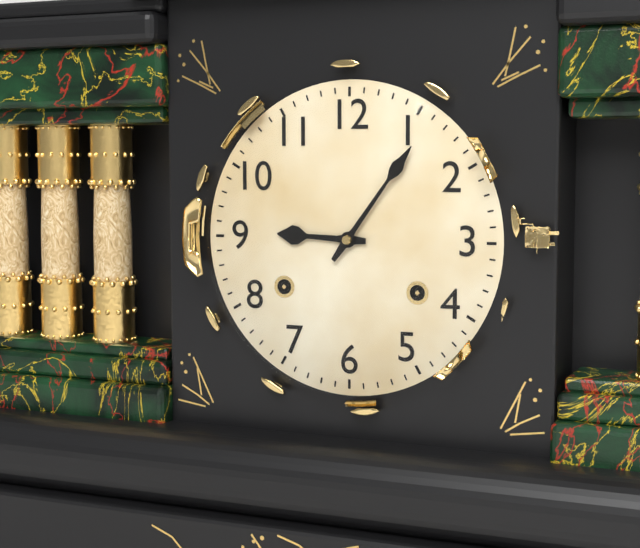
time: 9:06
